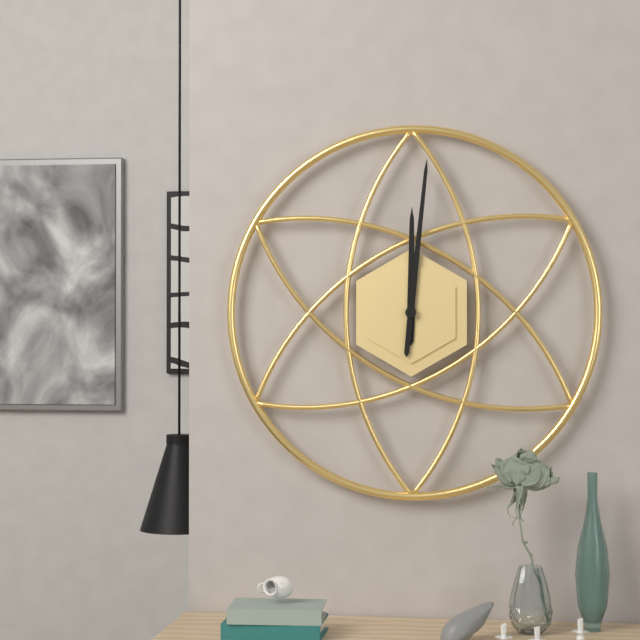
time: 12:01
